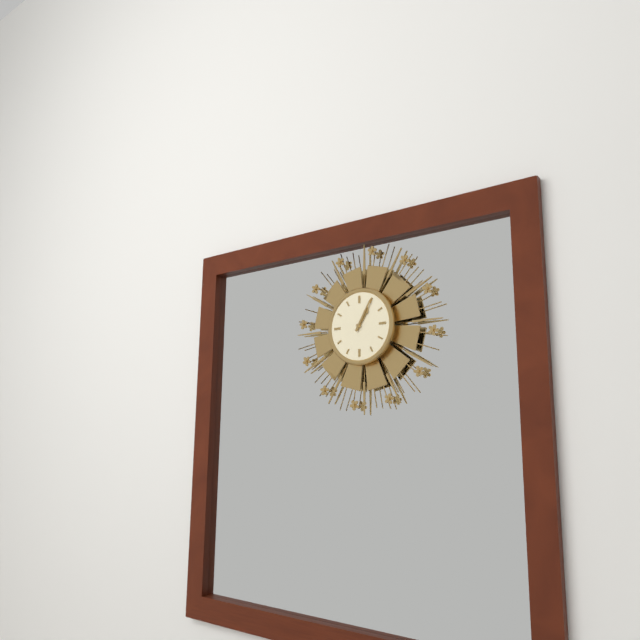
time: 1:05
